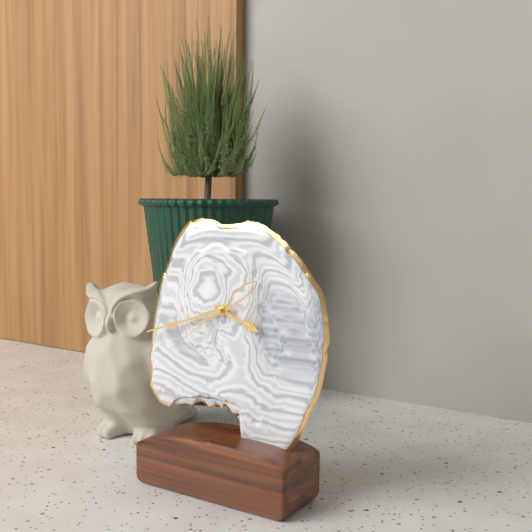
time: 3:42:39
